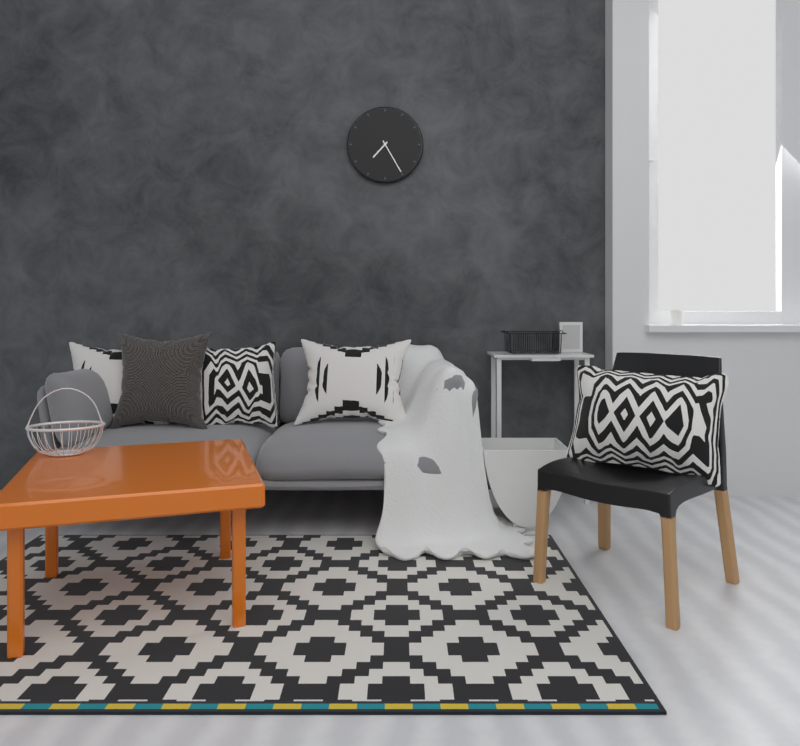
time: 7:25
